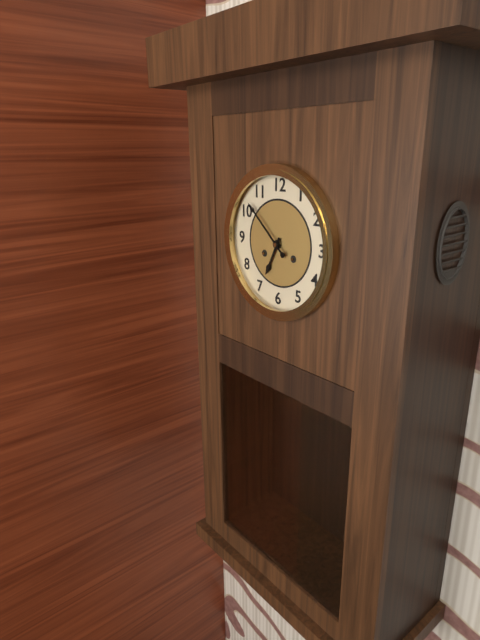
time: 6:52
